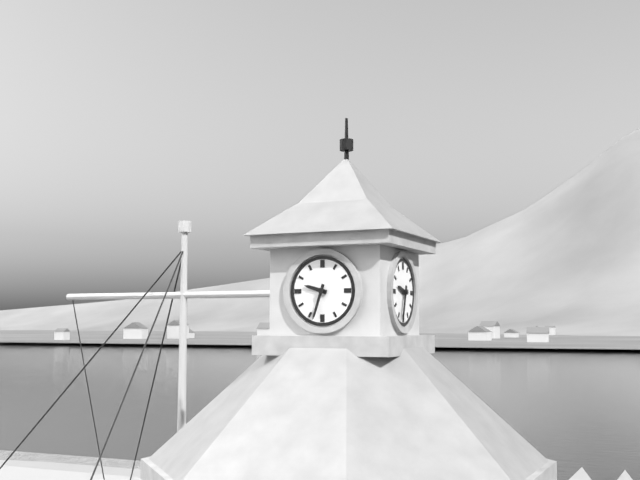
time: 9:33
